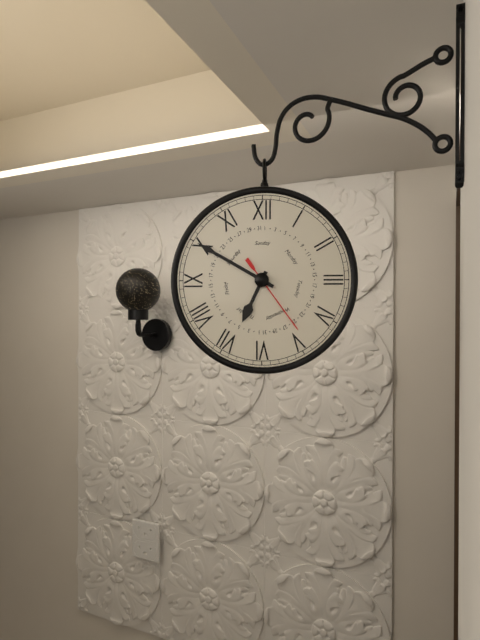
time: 6:50:24
